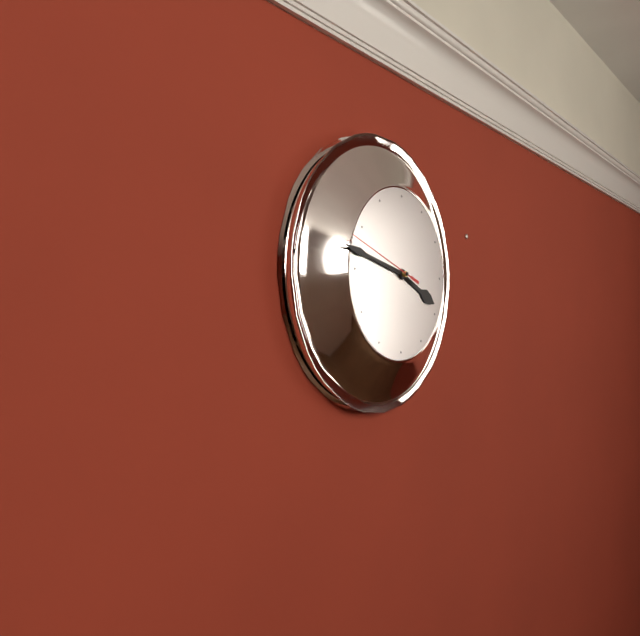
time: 3:47:48
